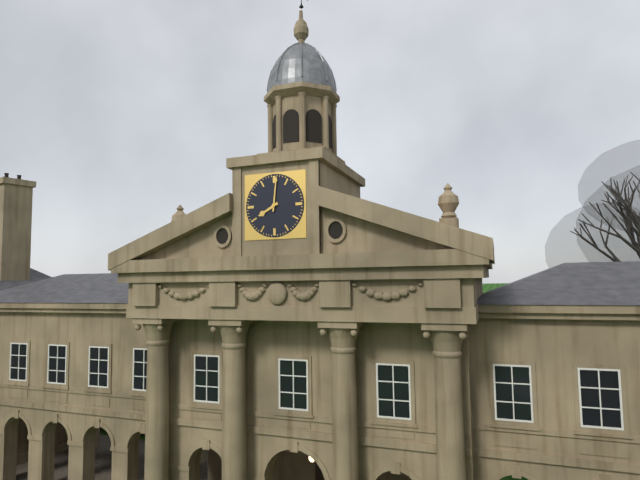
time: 8:01
